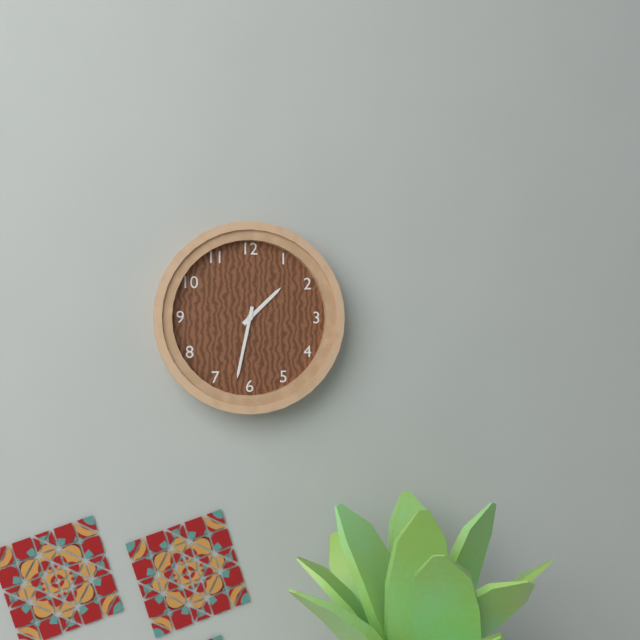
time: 1:32
